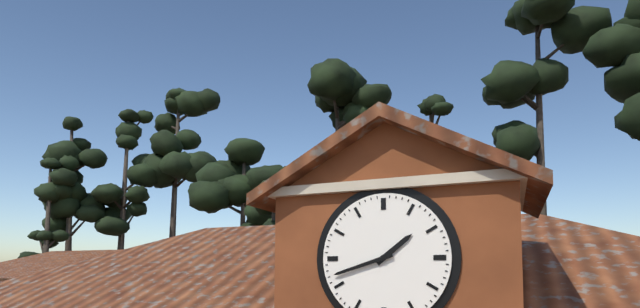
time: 1:42
